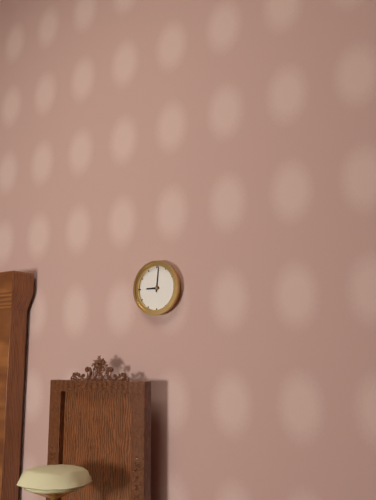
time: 9:01
